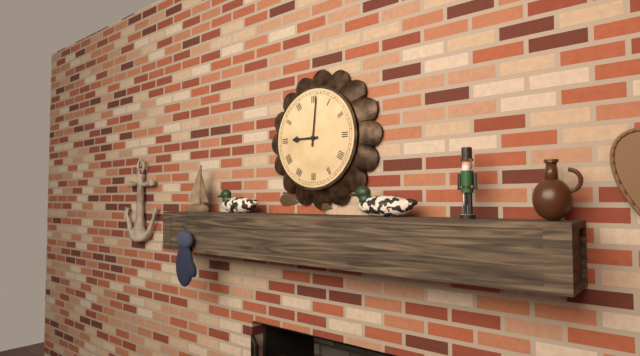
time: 9:01
